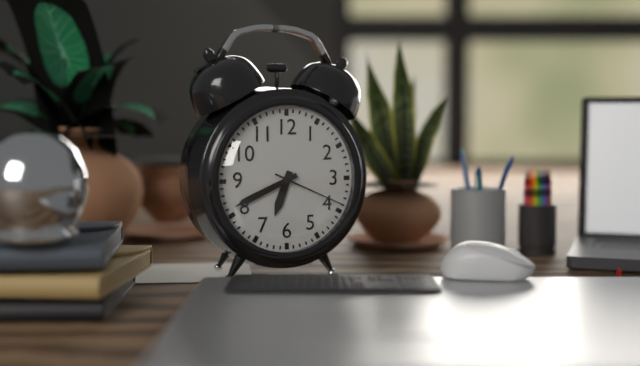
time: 6:41:19
